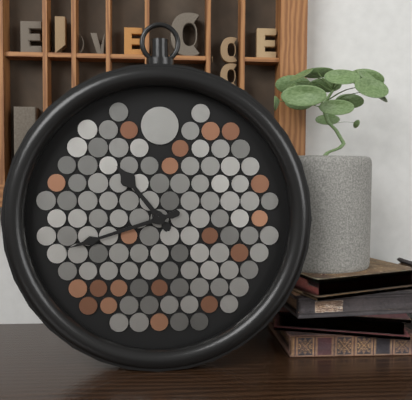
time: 10:42
